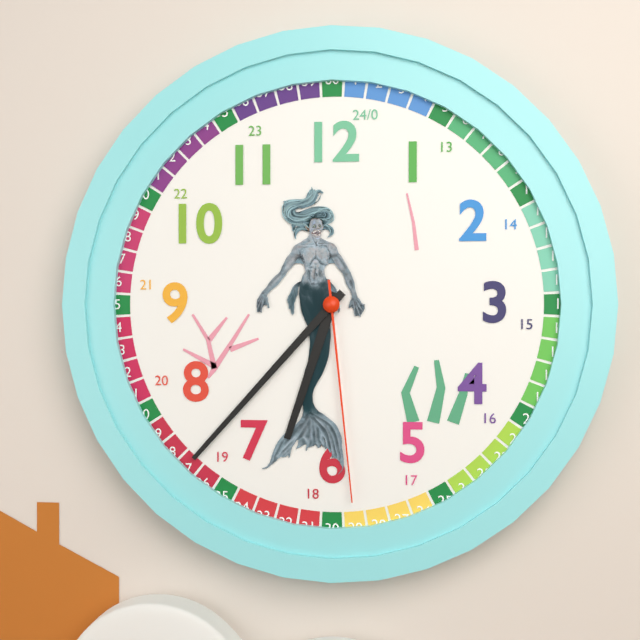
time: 6:37:29
